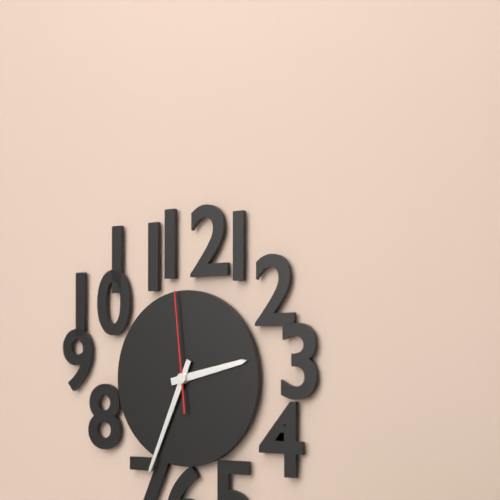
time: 2:34:59
